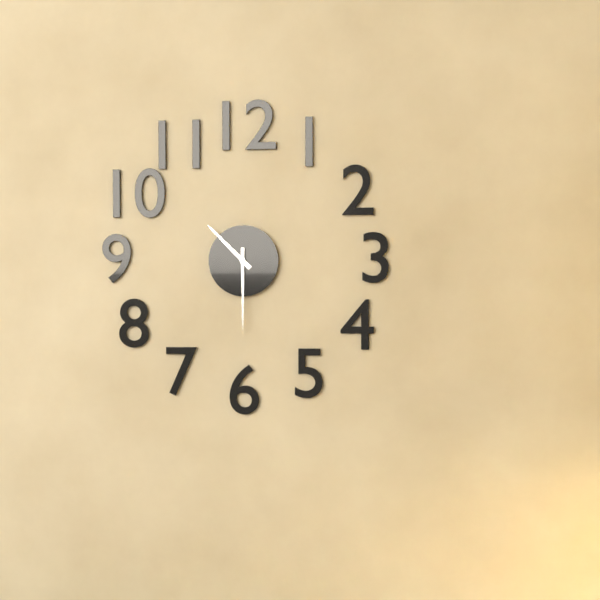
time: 10:30
